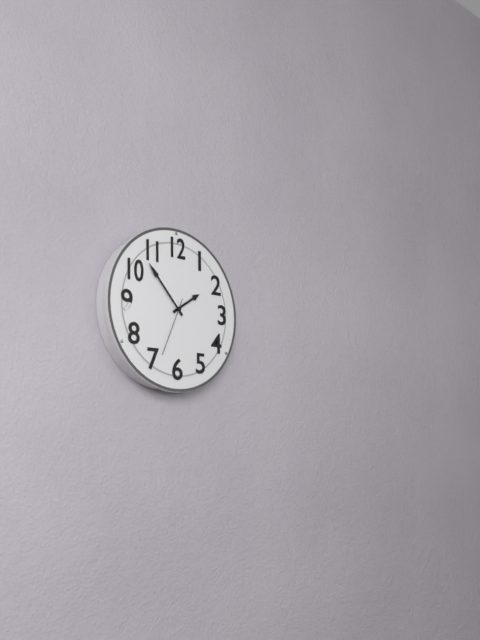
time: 1:53:34
